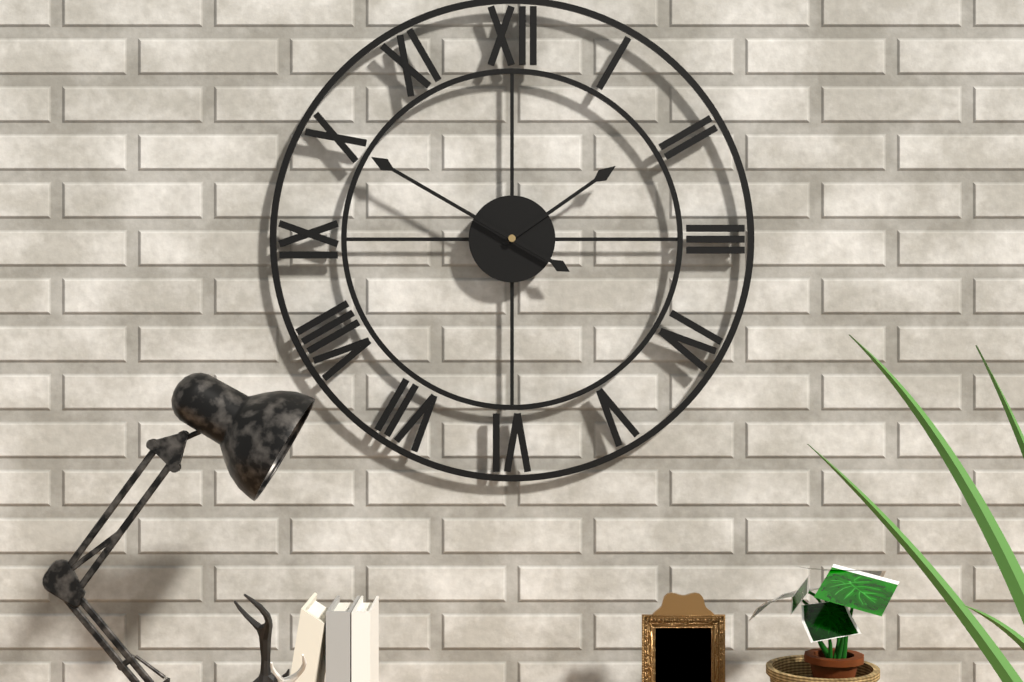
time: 1:50
